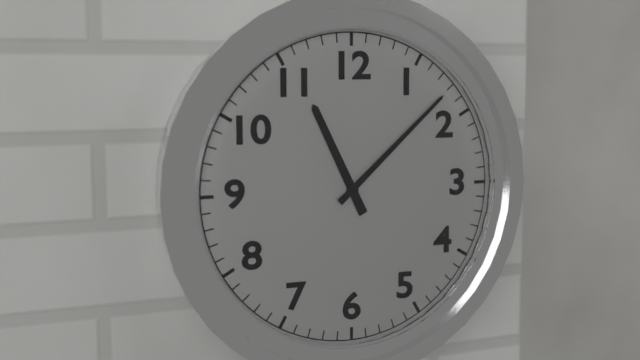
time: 11:08
